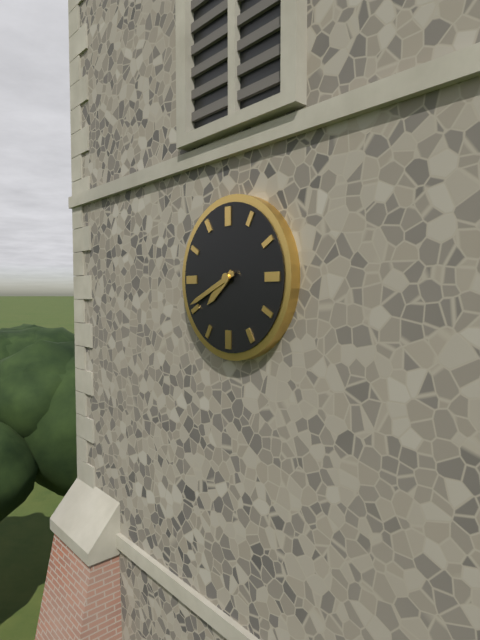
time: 7:41
